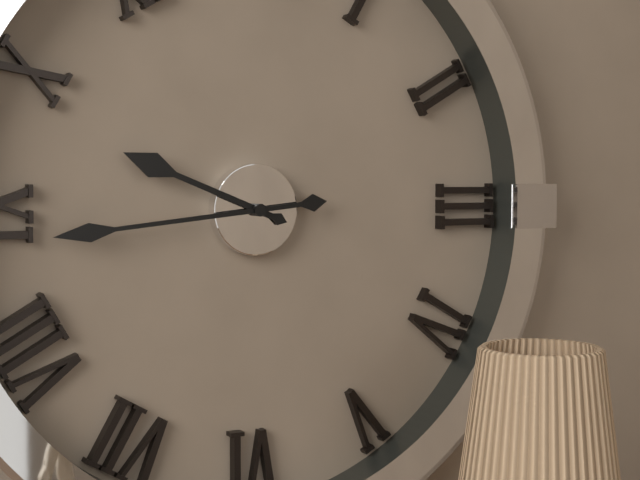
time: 9:44
